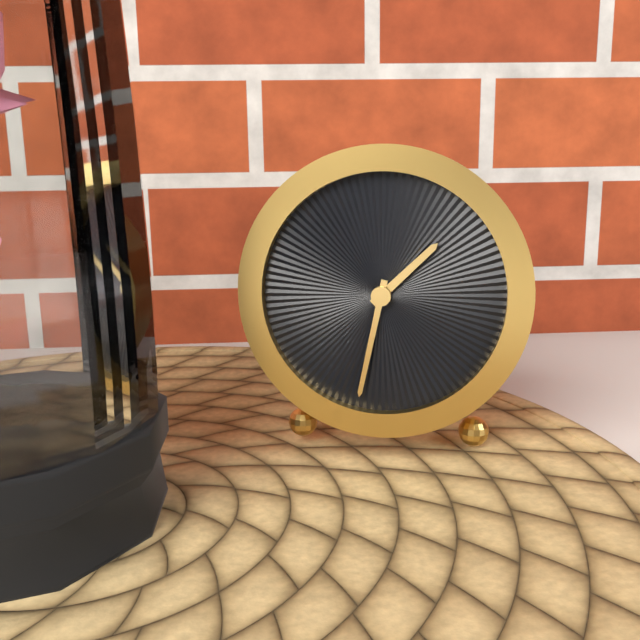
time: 1:32
